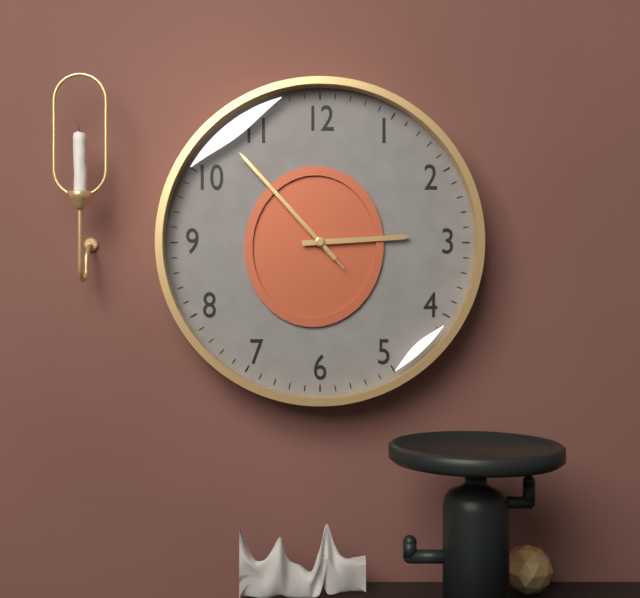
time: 2:53:53
